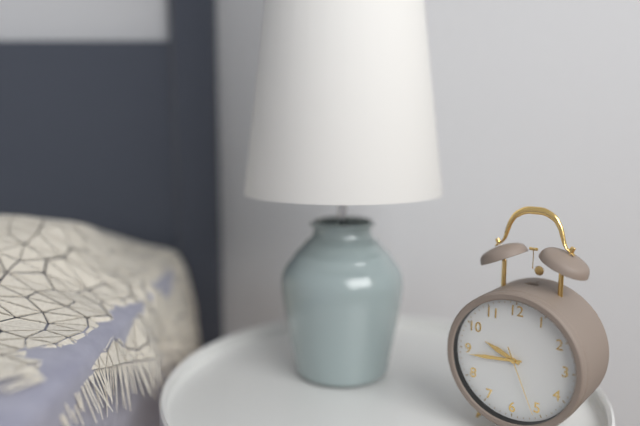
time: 9:44:26
